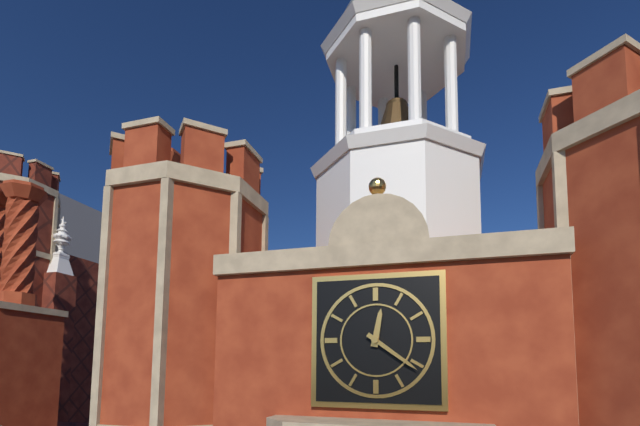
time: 12:21
